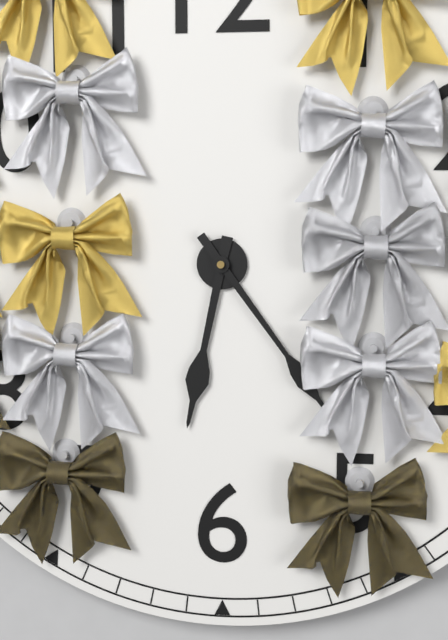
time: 6:24
